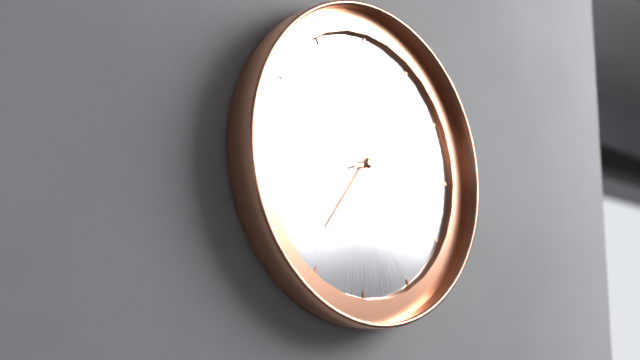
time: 7:12
